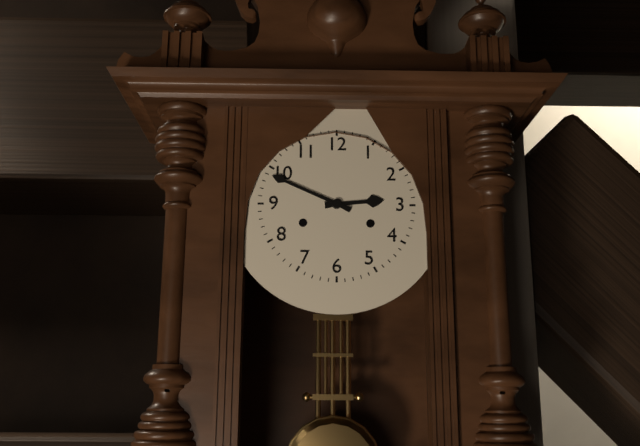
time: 2:49
